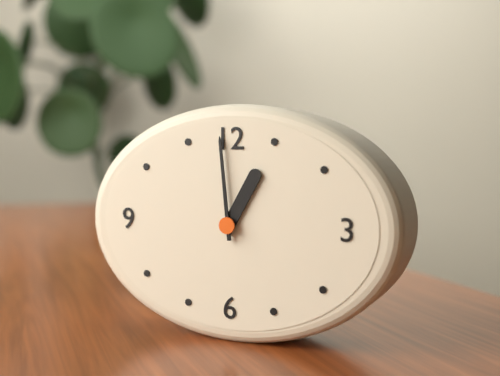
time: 12:59
